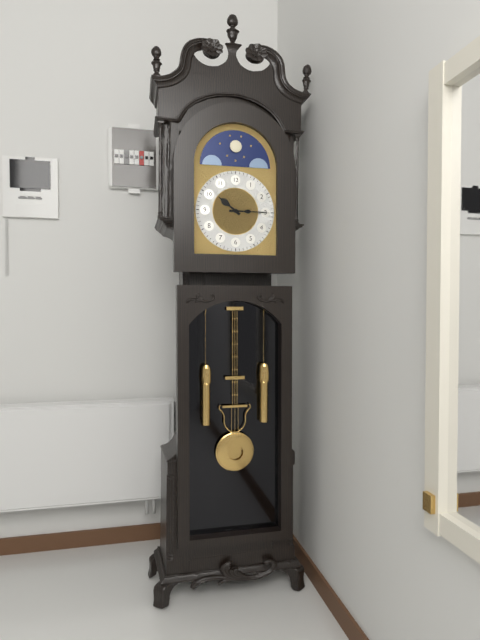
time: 10:15
